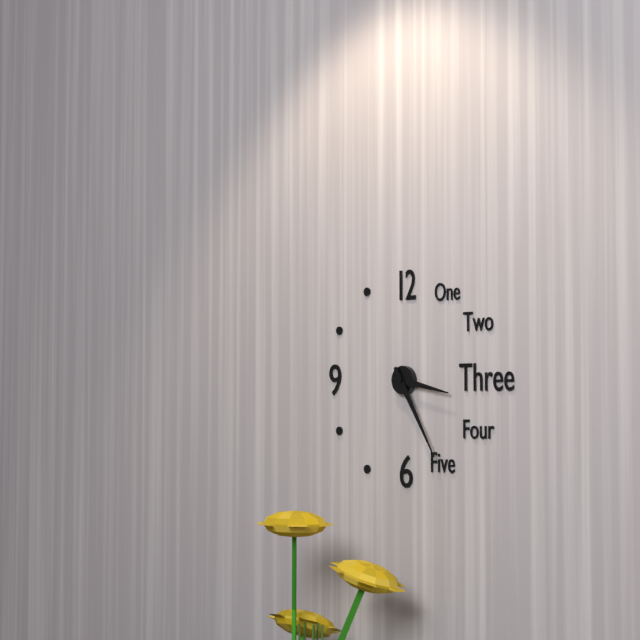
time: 3:25
